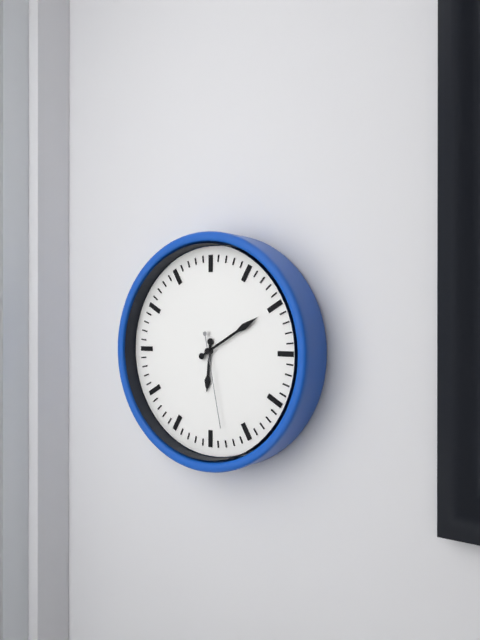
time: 6:10:28
